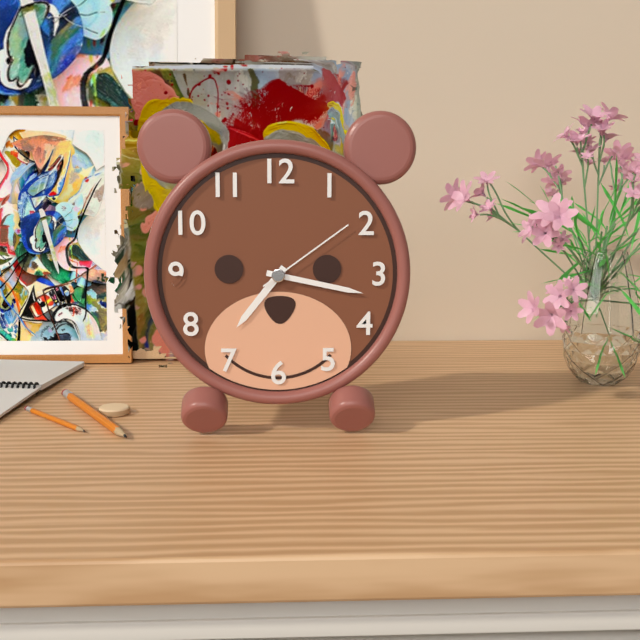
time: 7:17:09
